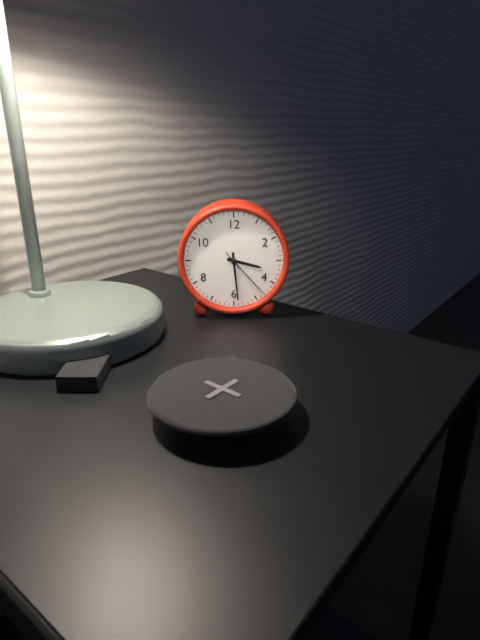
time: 3:29:23
